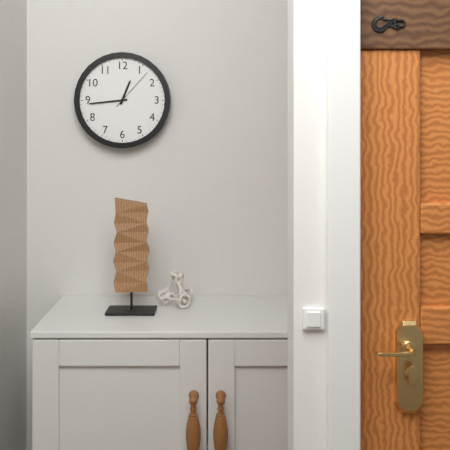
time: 12:44
